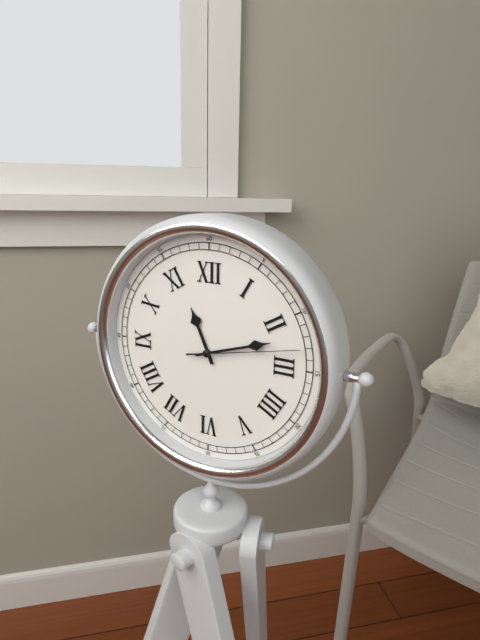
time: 11:12:13
